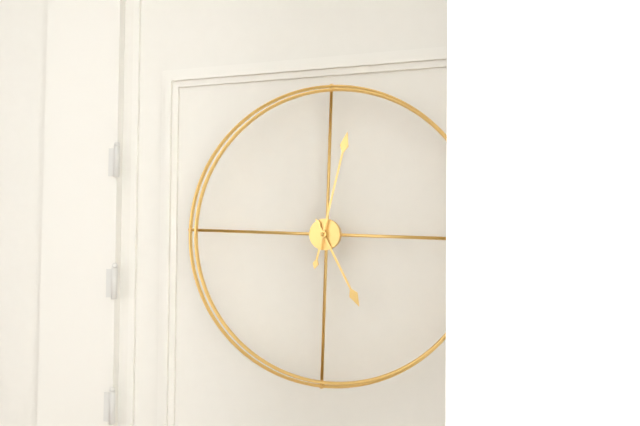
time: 5:02
